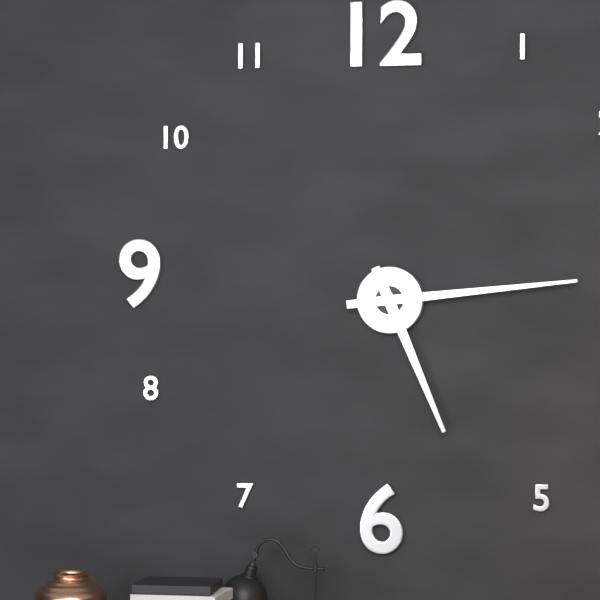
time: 5:14
